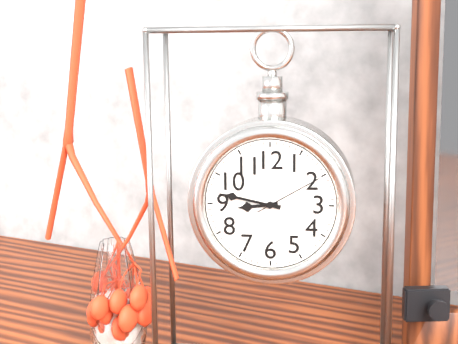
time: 8:47:10
